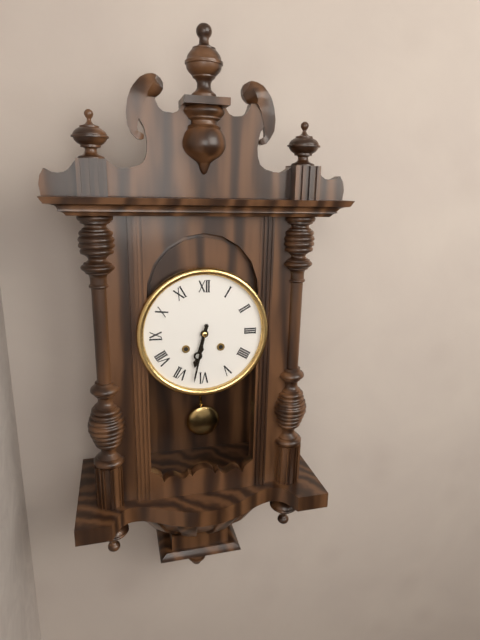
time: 6:32
